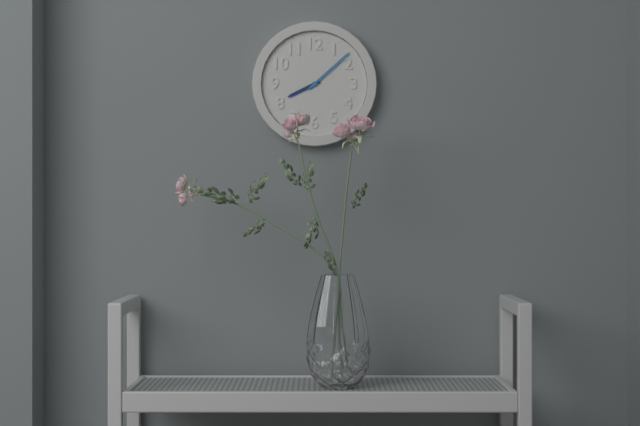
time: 8:08
